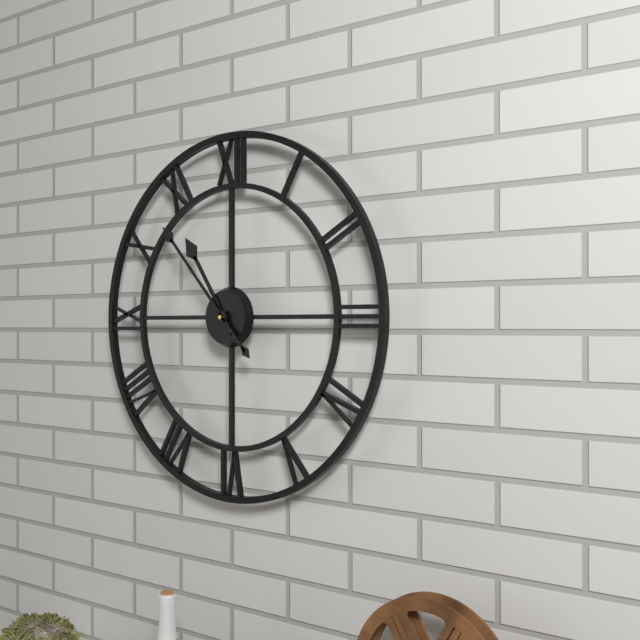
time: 10:53
